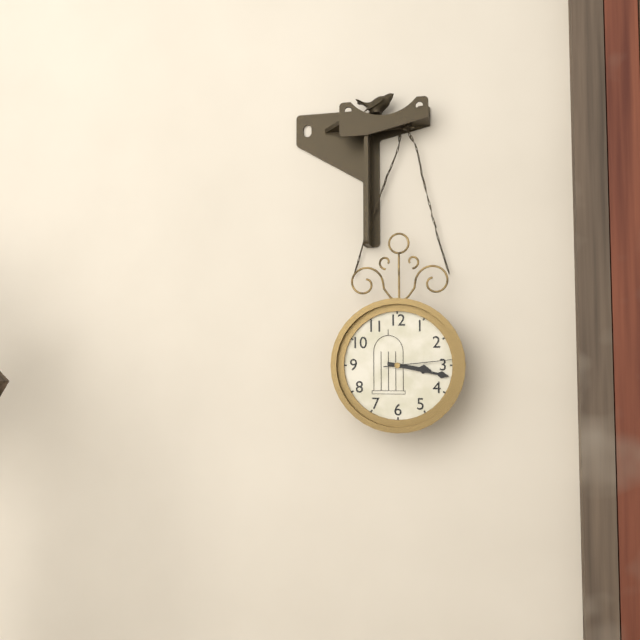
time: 3:17:14
